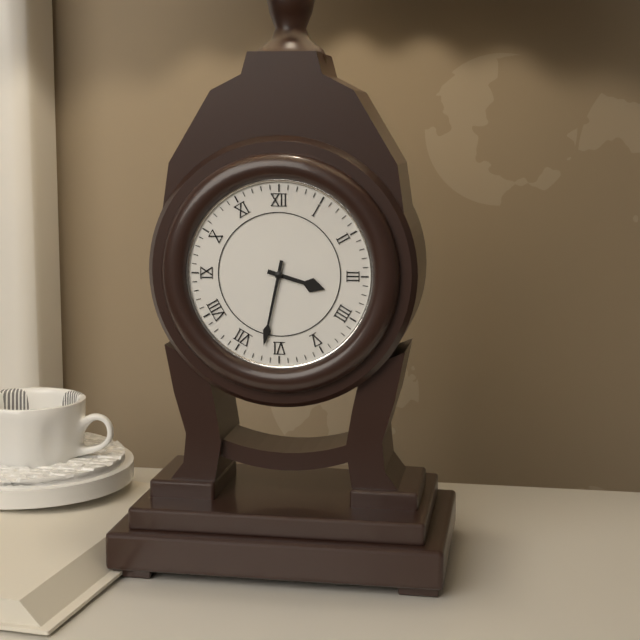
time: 3:32
